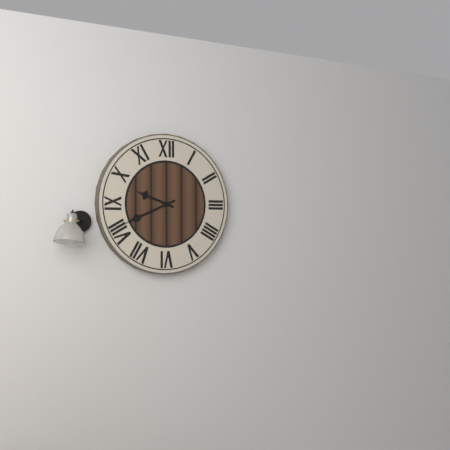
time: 9:41
